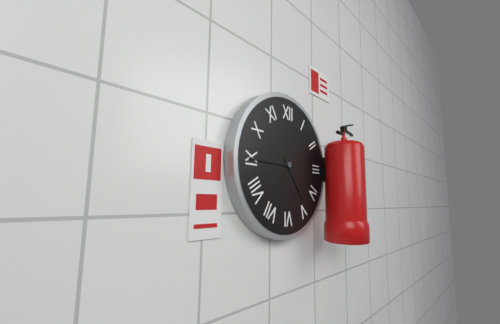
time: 4:45
